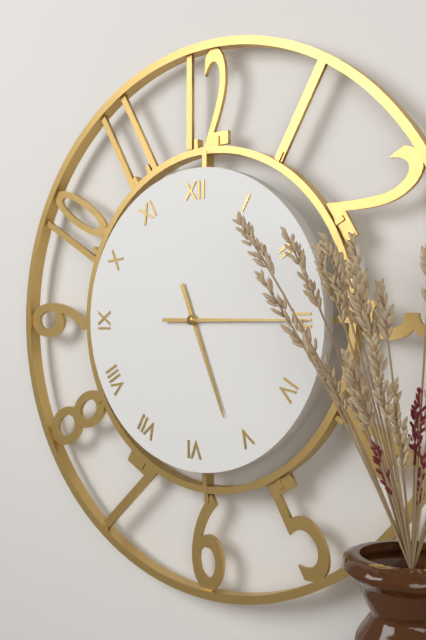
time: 5:15
